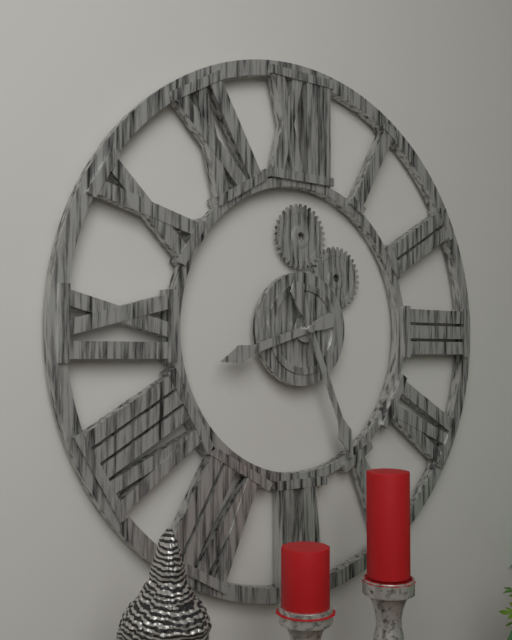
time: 8:26
